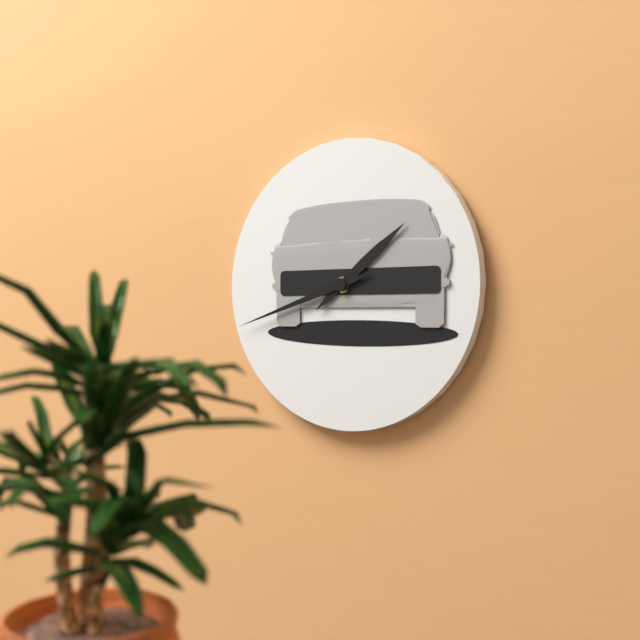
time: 1:42
